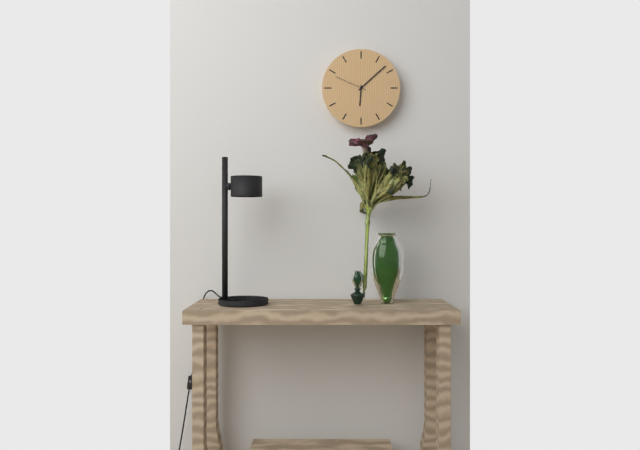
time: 6:08
